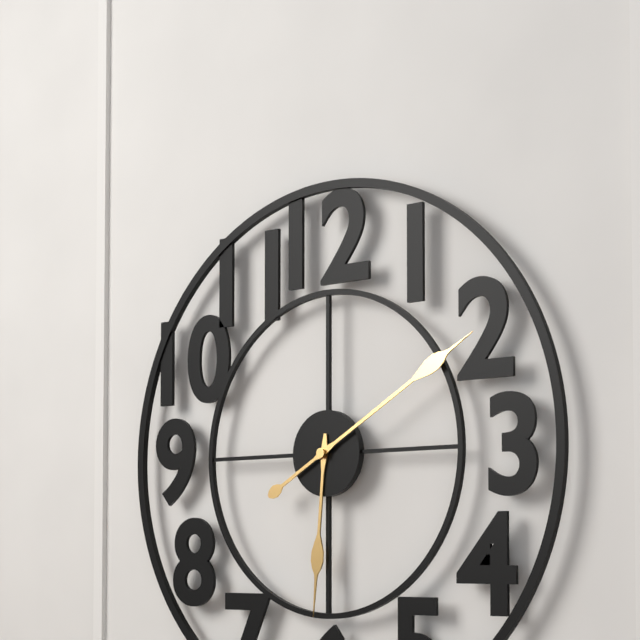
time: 6:10
